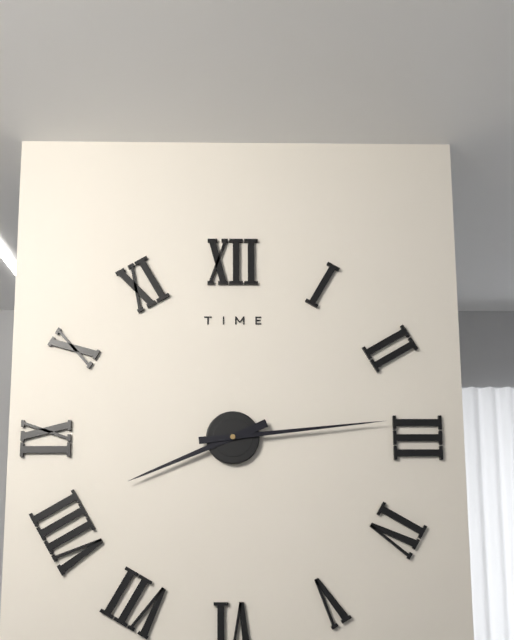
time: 8:14
